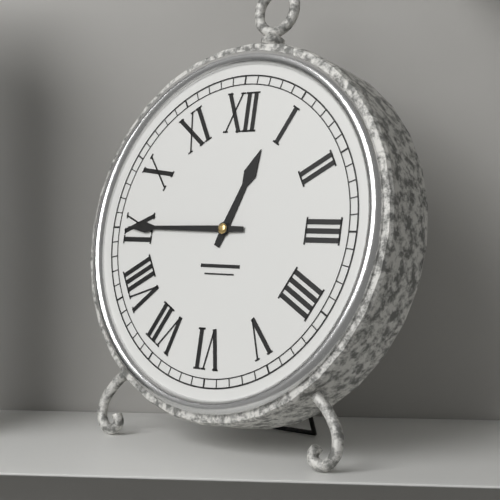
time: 12:45
